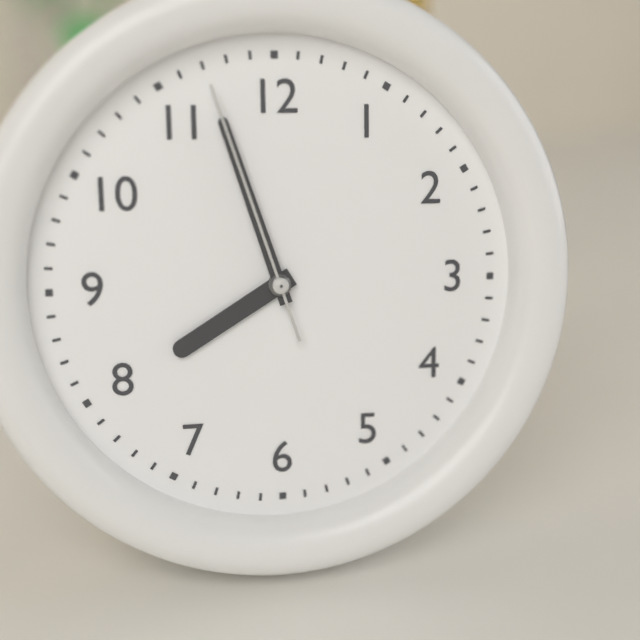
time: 7:57:57
